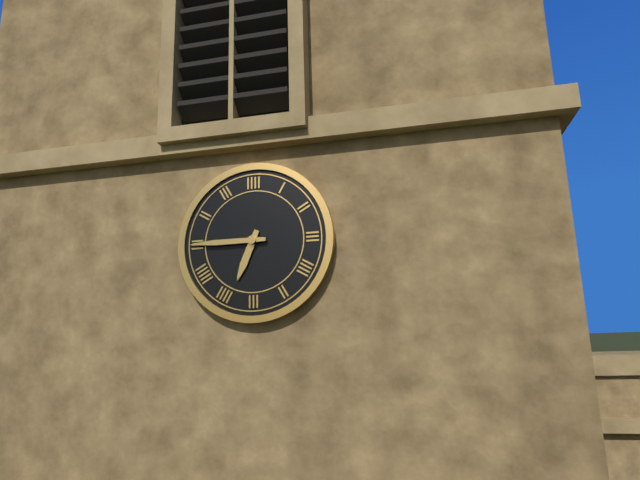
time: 6:45
